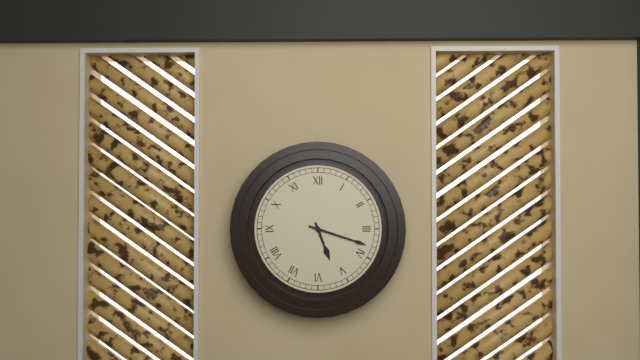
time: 5:18
